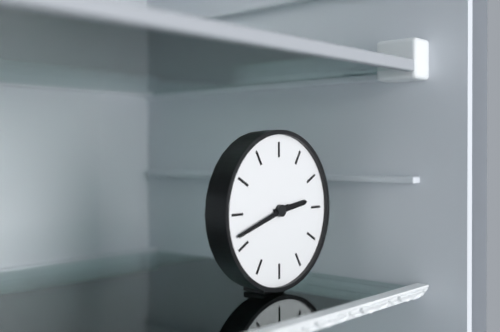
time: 2:42
